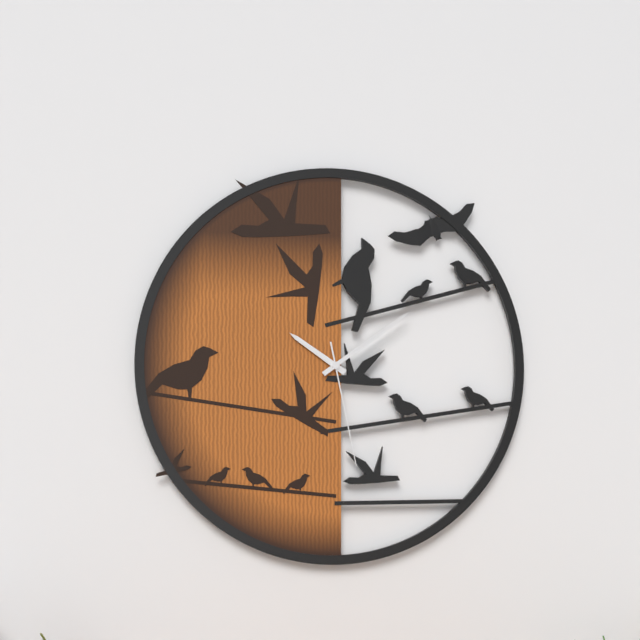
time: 10:09:28
